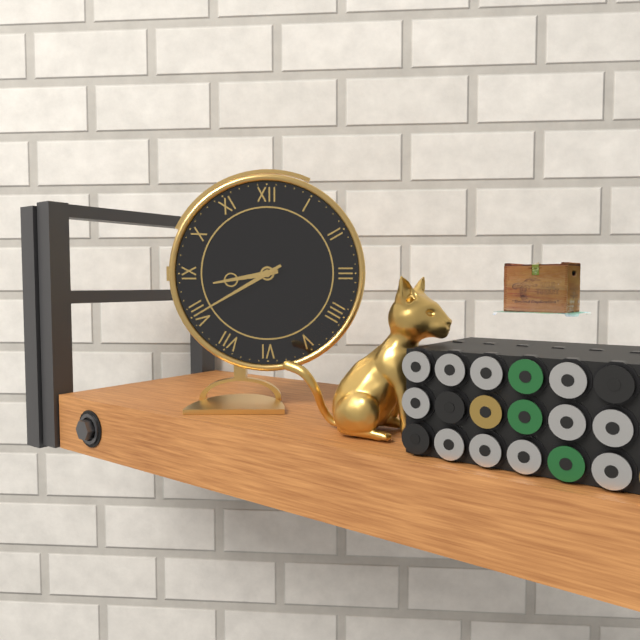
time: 8:40
